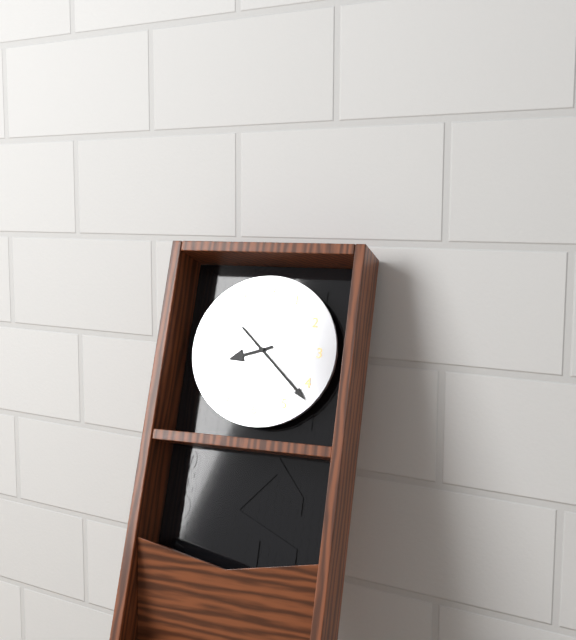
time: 8:22
